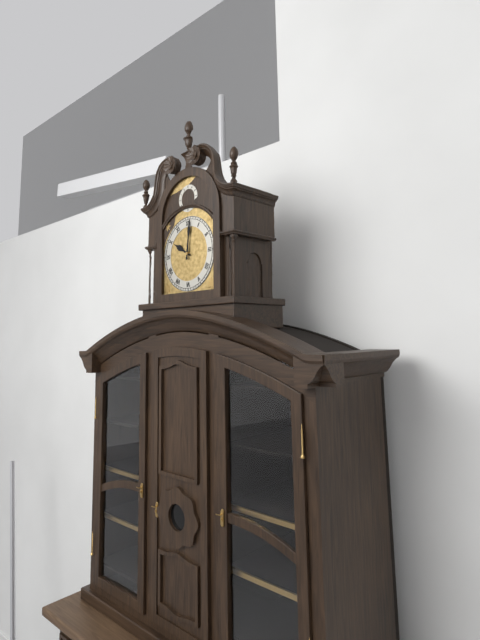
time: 10:01
